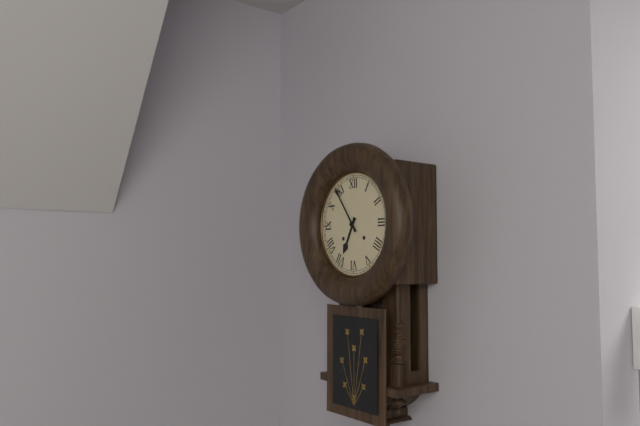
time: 6:54
